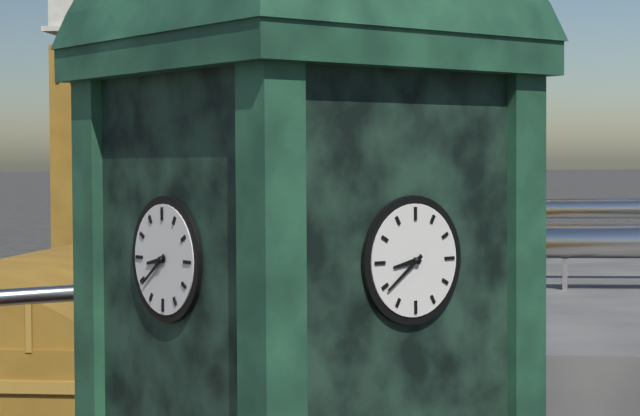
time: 8:39
